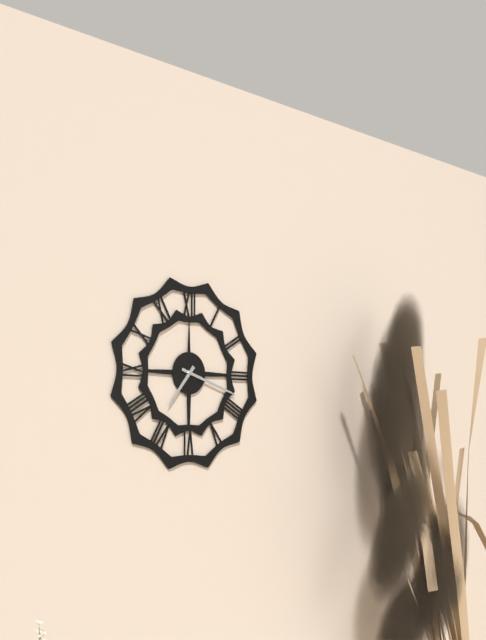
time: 7:18
